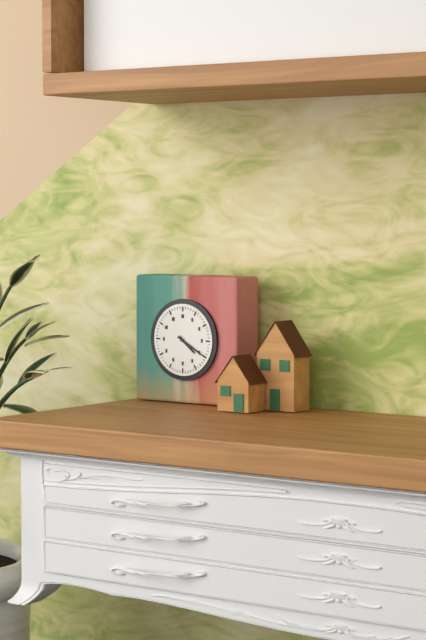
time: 4:20
